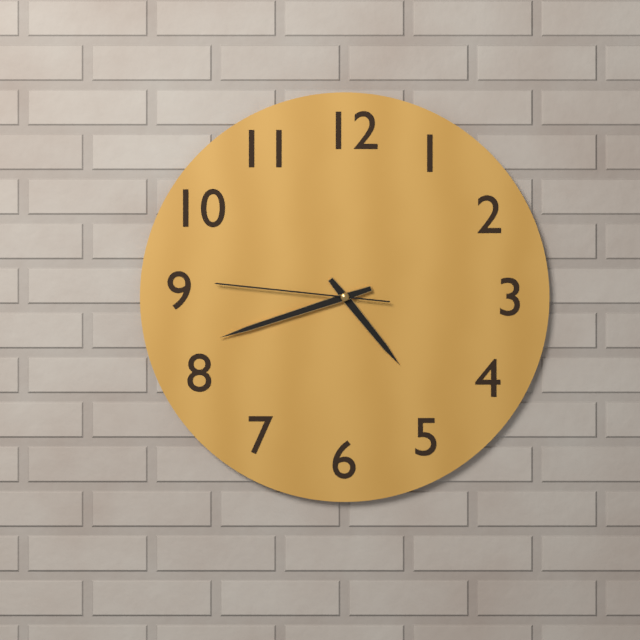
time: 4:42:46
